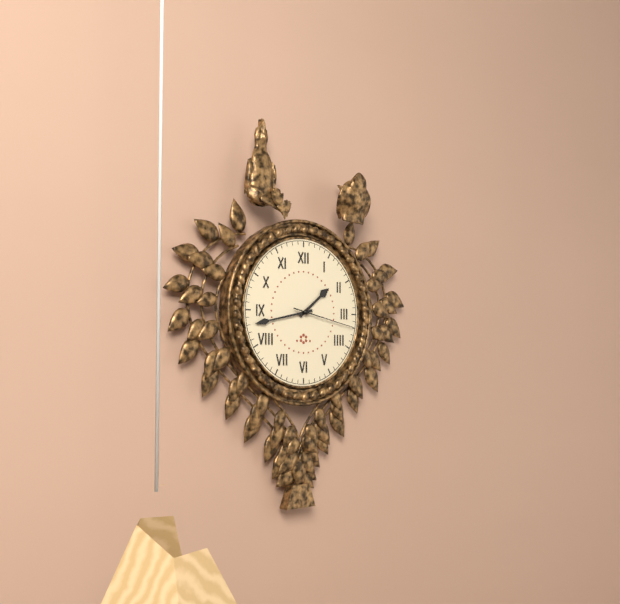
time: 1:43:17
